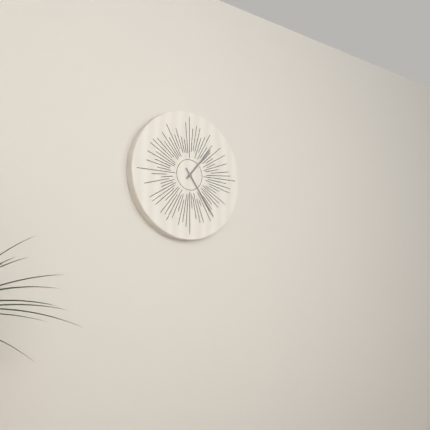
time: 1:24
